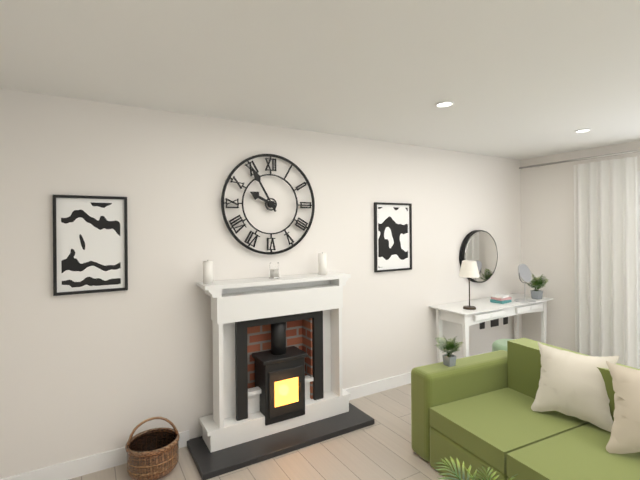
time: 9:55
